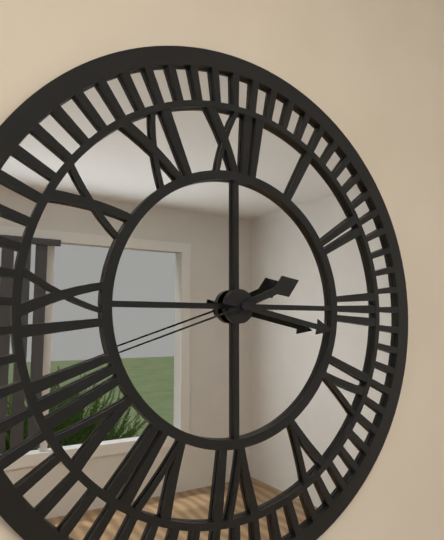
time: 2:17:42
